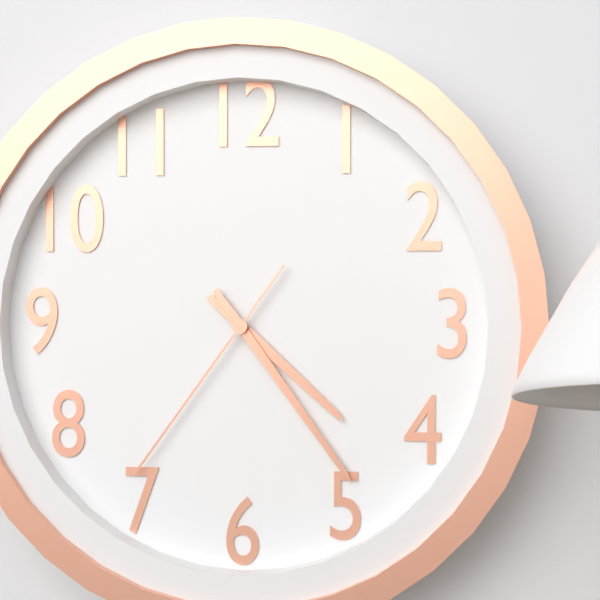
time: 4:24:36
